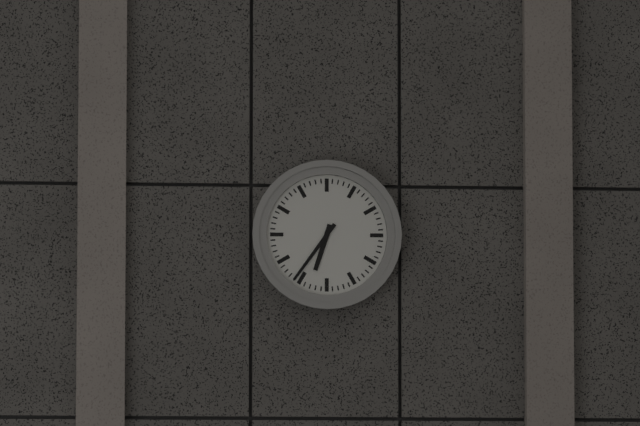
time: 6:36
